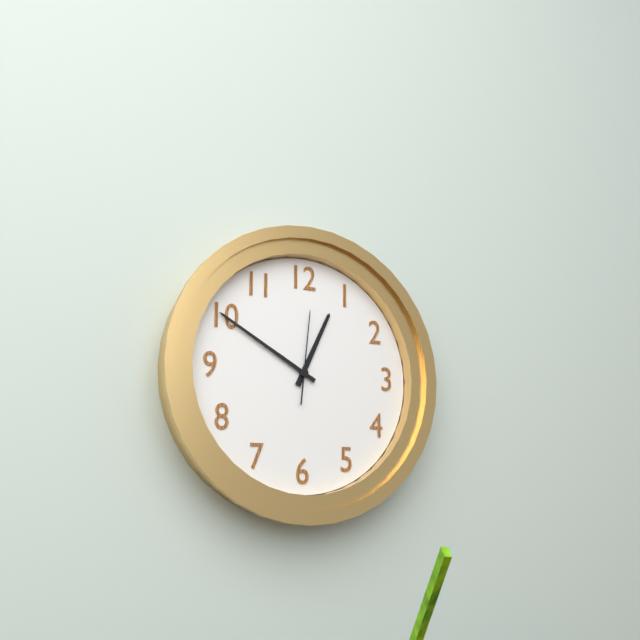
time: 12:50:01
